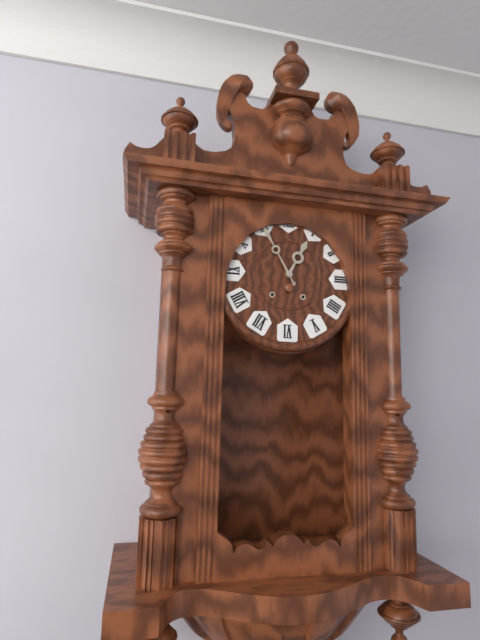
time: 12:55
